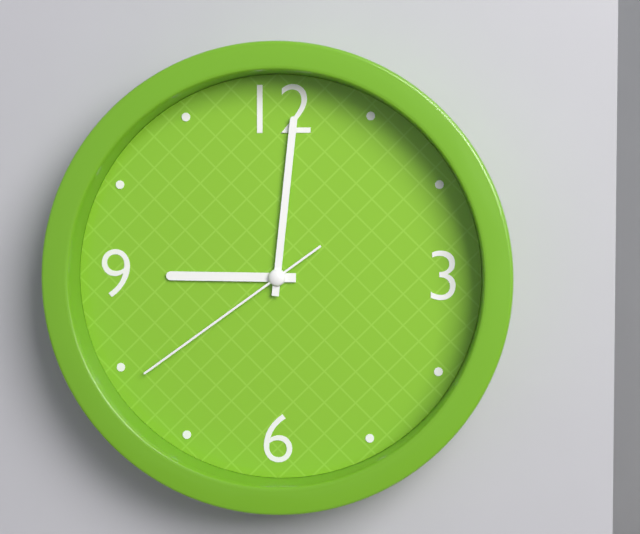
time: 9:01:39
